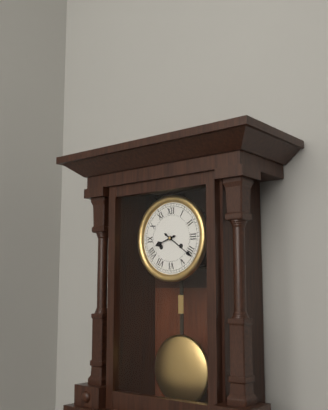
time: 8:21
